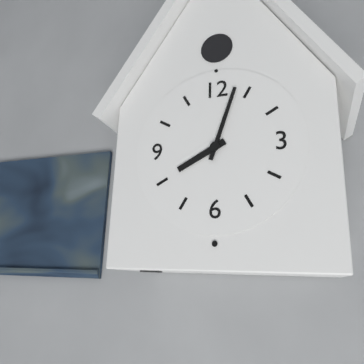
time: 8:03
